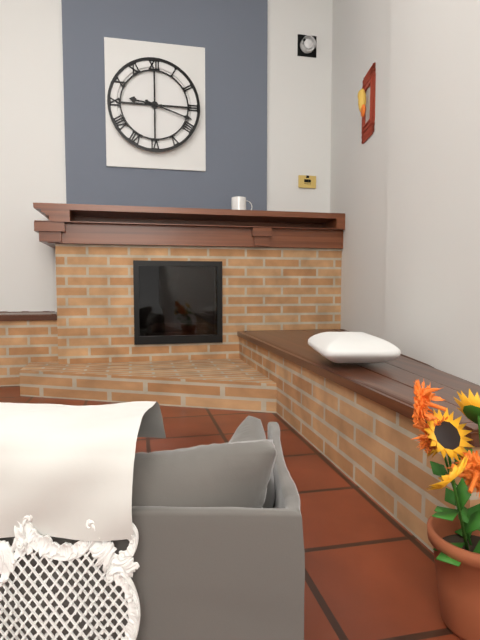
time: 9:18
